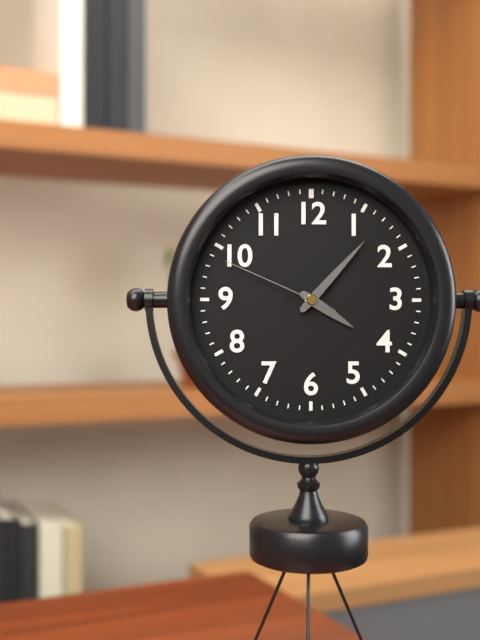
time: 4:07:49
